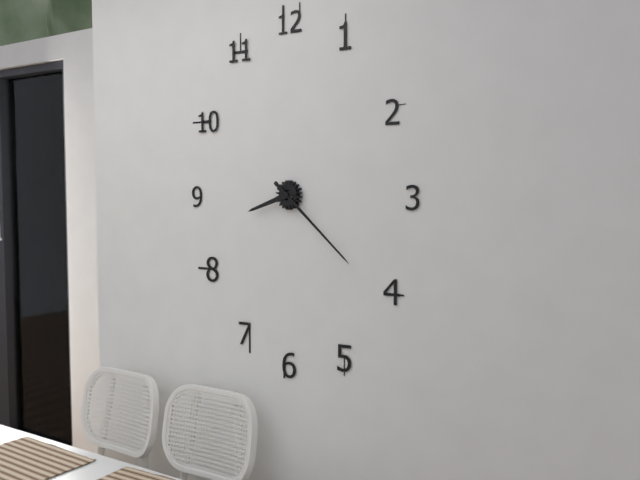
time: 8:22
